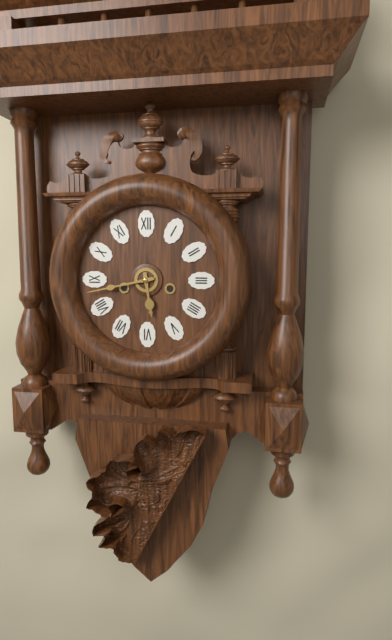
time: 5:43
